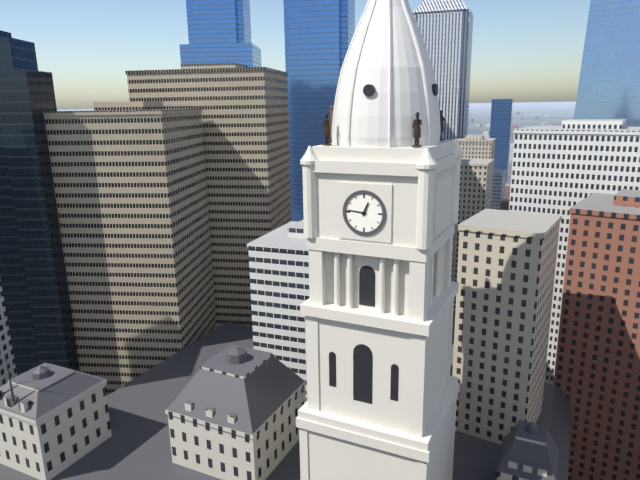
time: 12:46
